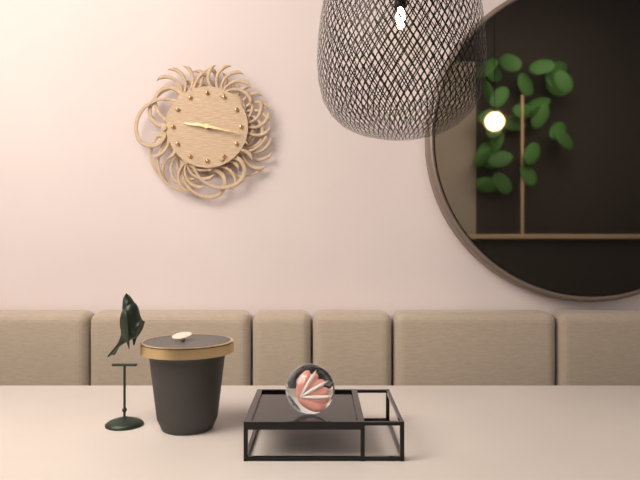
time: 9:17
